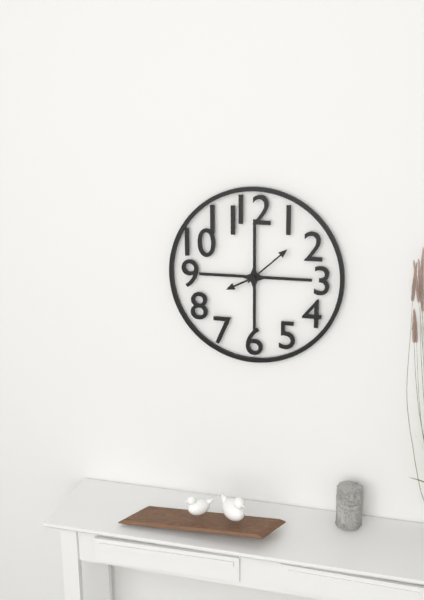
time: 8:08
